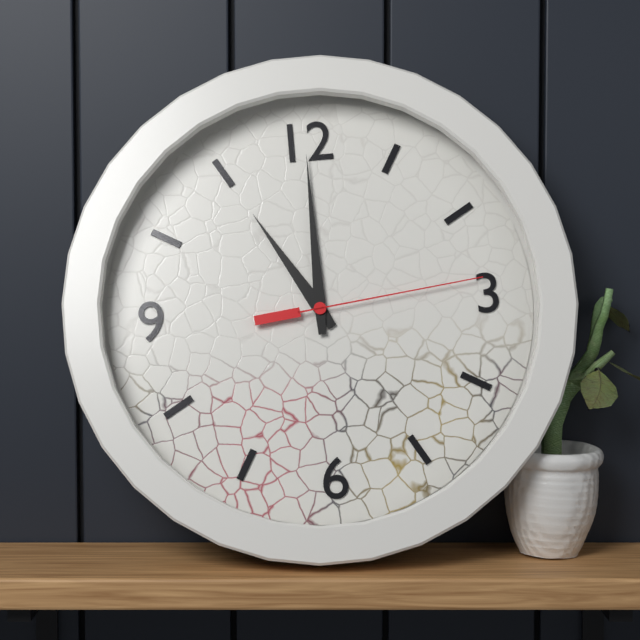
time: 11:00:14
